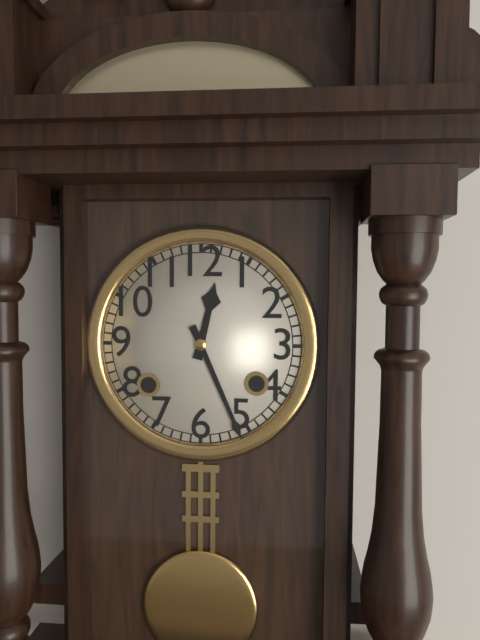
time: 12:26
